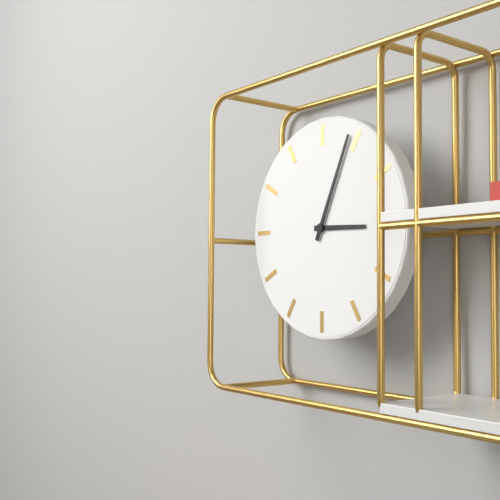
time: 3:04
